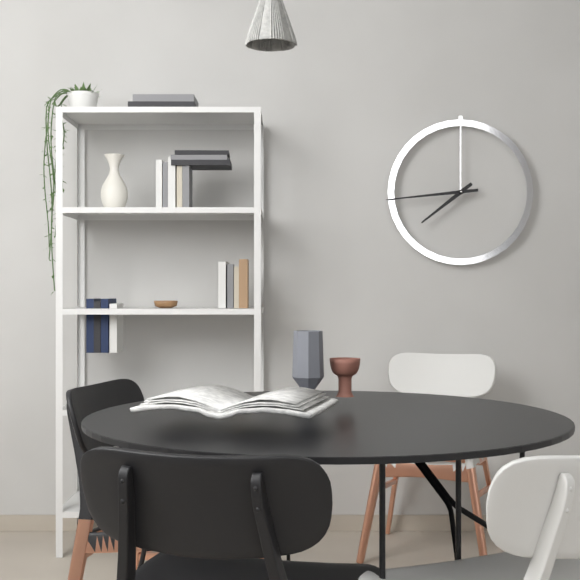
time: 7:44
